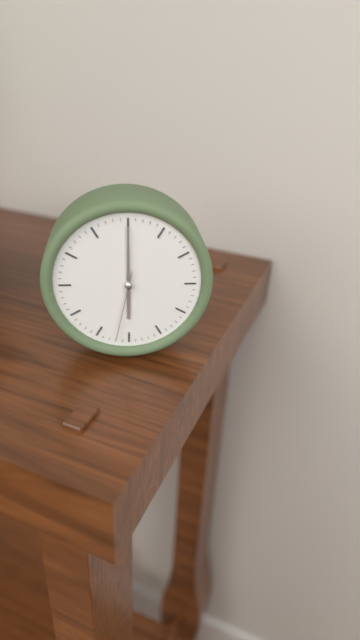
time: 6:00:32
